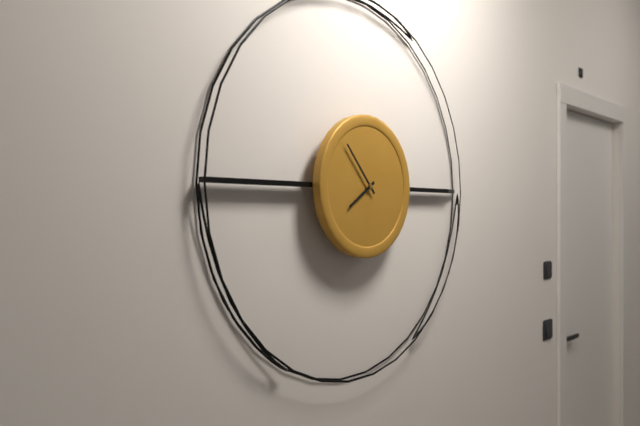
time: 7:53
